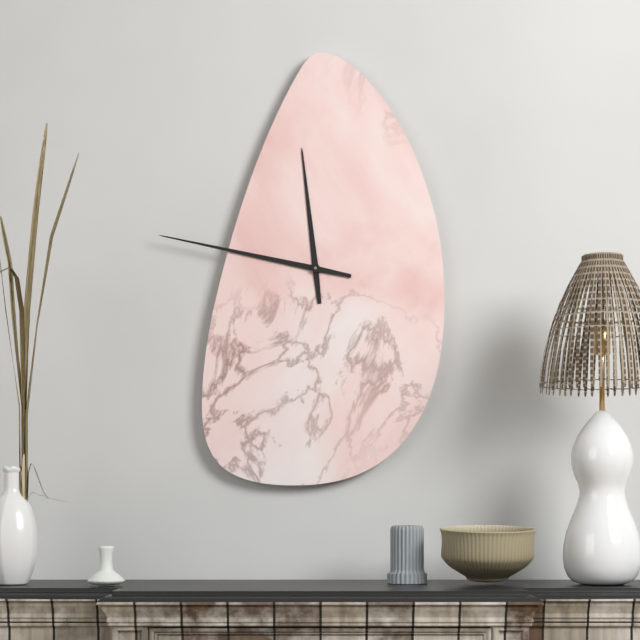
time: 11:47
